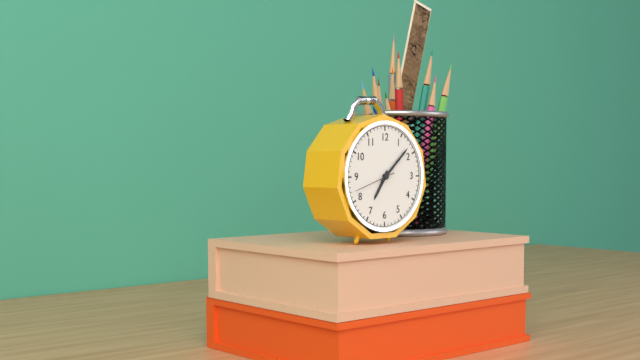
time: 7:08
